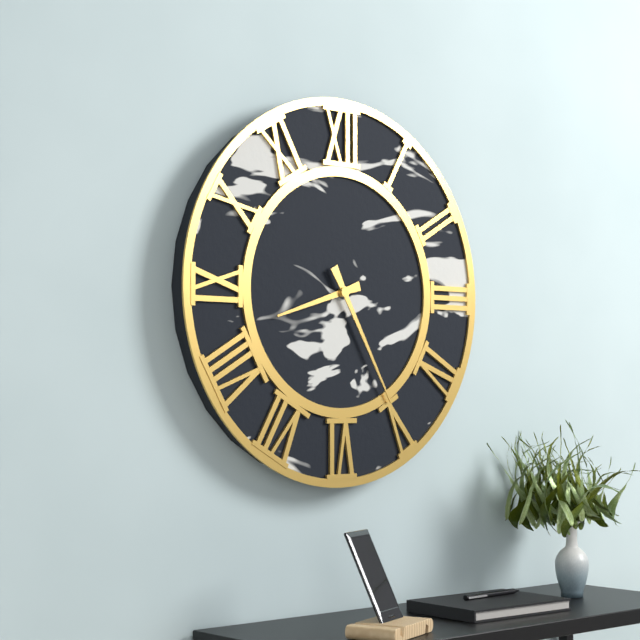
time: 8:25
